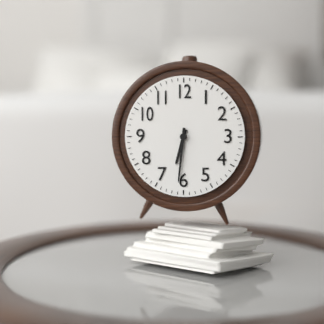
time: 6:31
